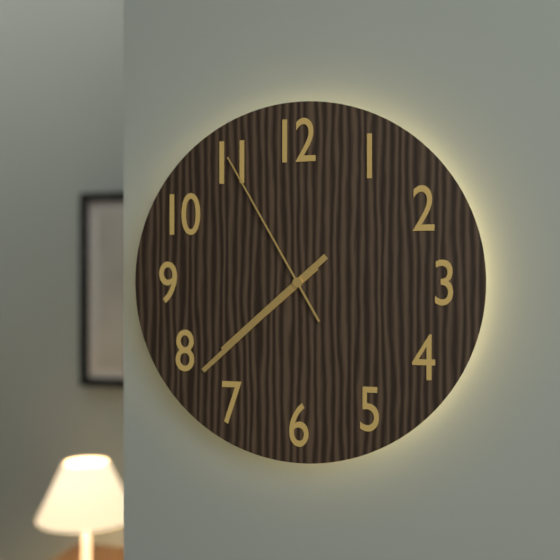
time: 7:38:55
